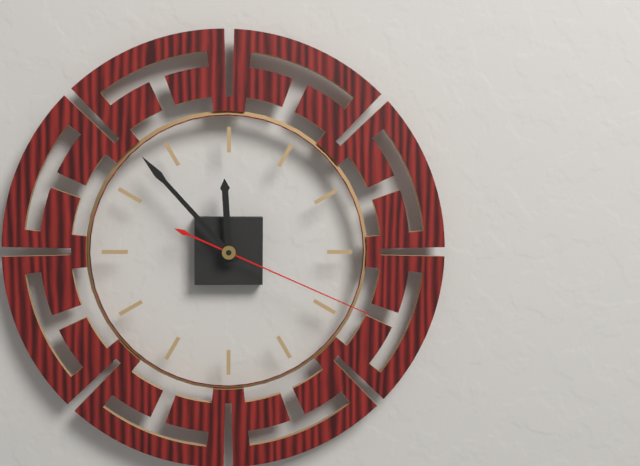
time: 11:53:19
